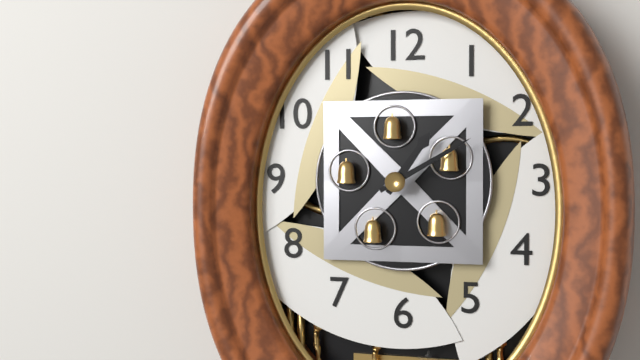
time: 1:10
